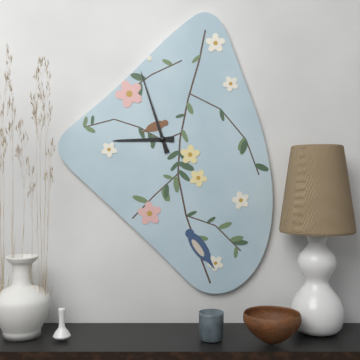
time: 8:57
